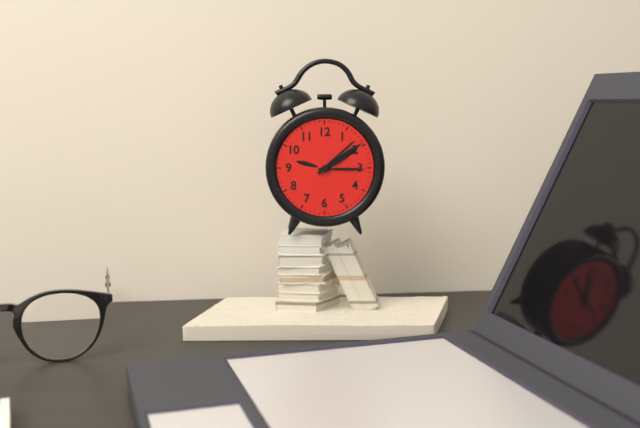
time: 2:08
